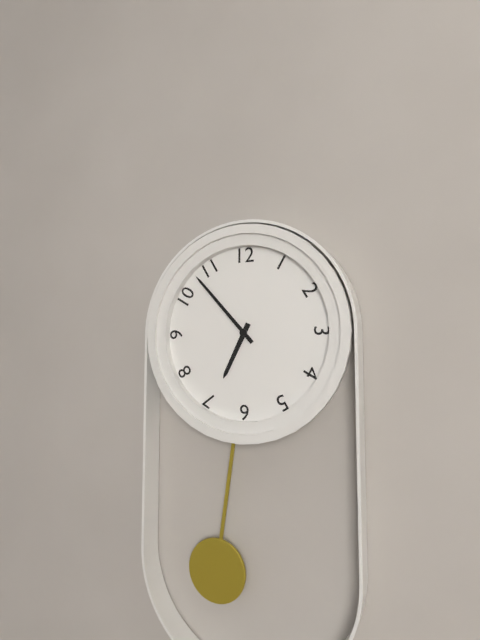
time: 6:53
